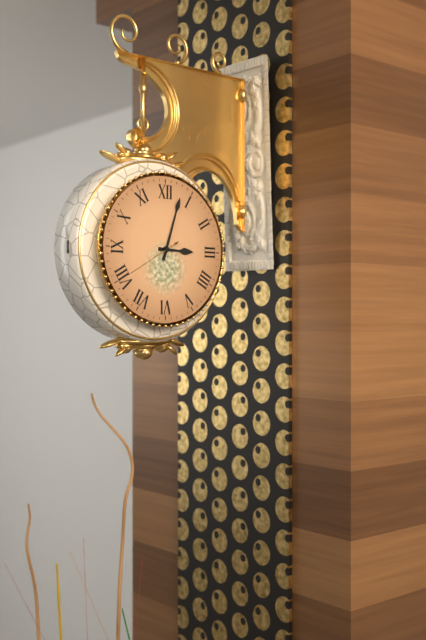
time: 3:03:40
